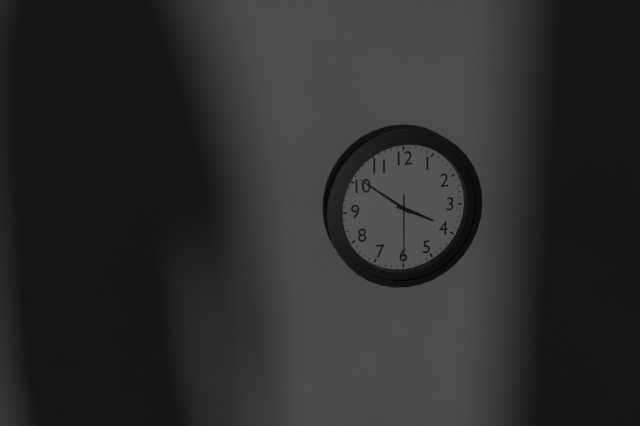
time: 3:51:30
